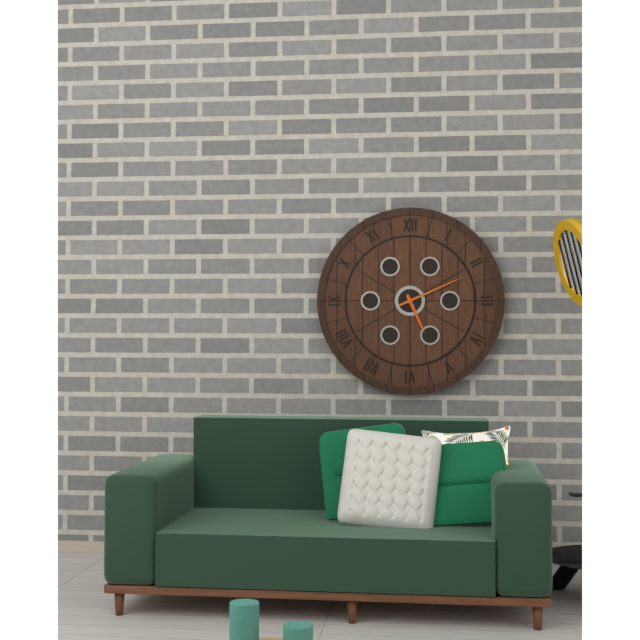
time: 5:11
